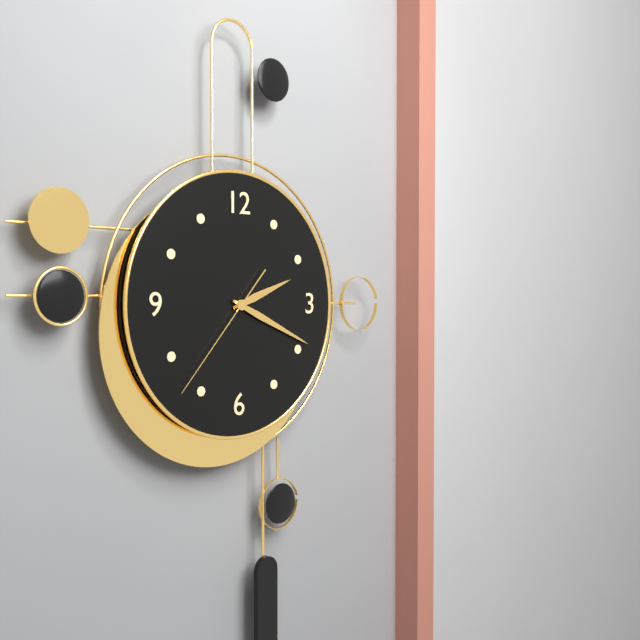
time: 2:19:37
